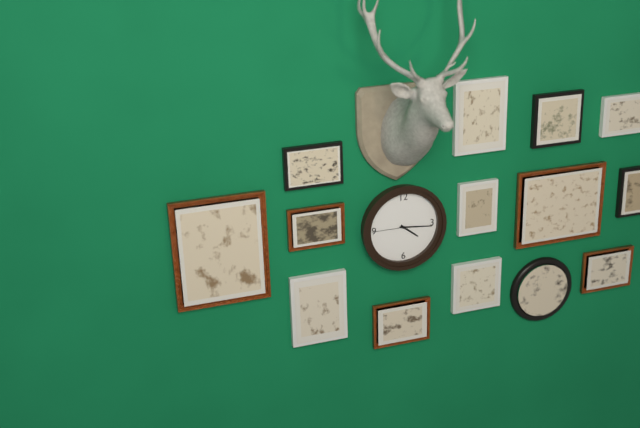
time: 4:16
